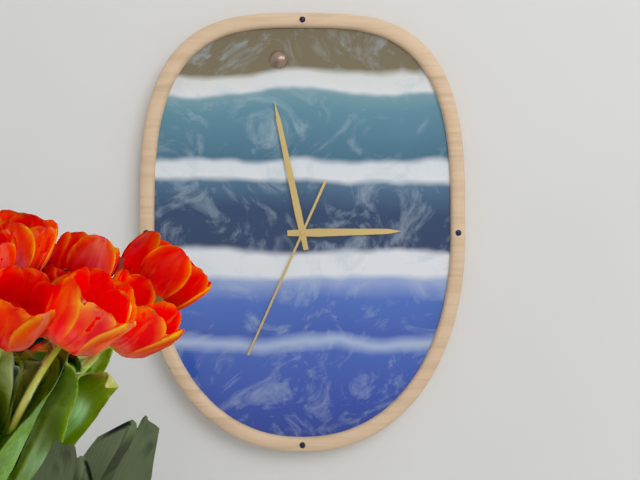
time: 2:58:34
